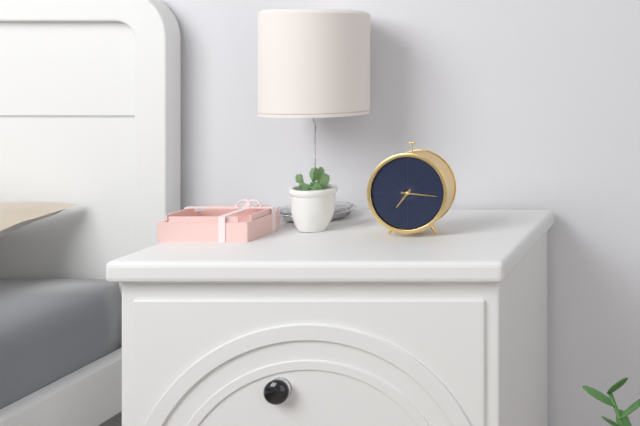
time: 7:16
